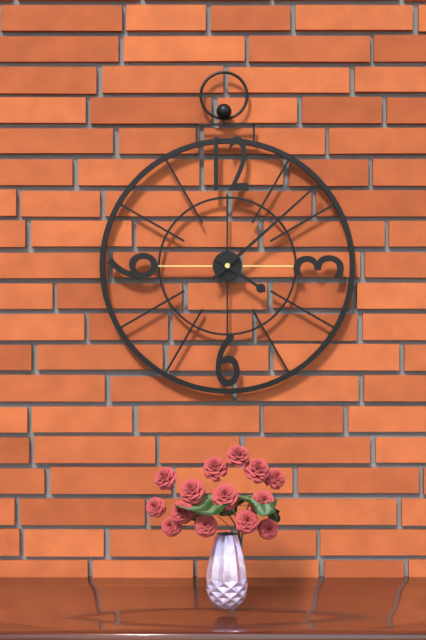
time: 4:08
